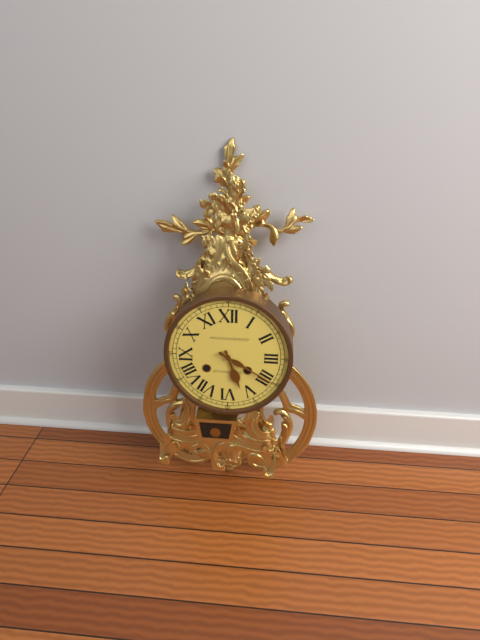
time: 5:20
